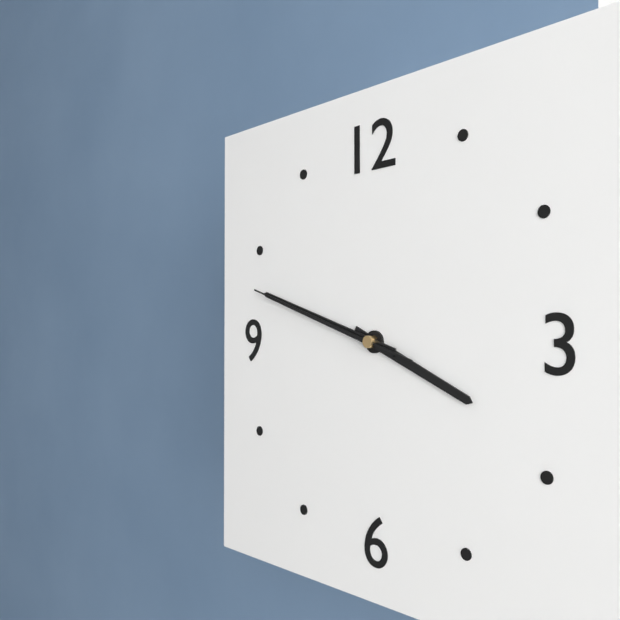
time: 3:48:48
